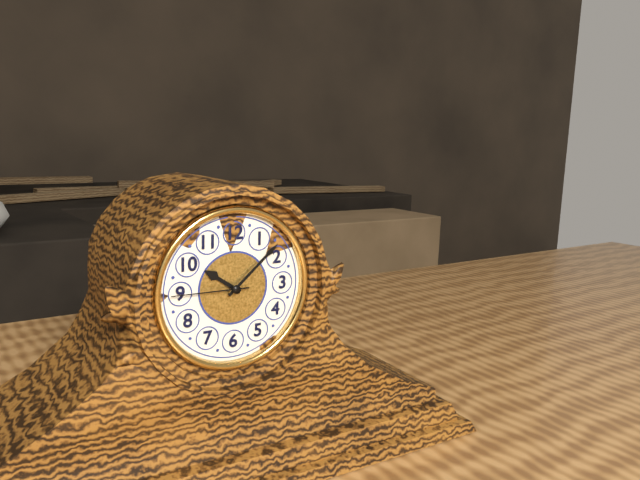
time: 10:08:45
